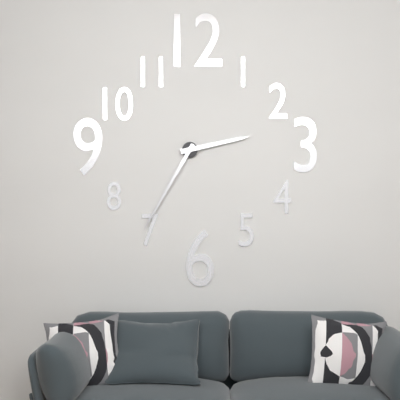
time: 2:35
